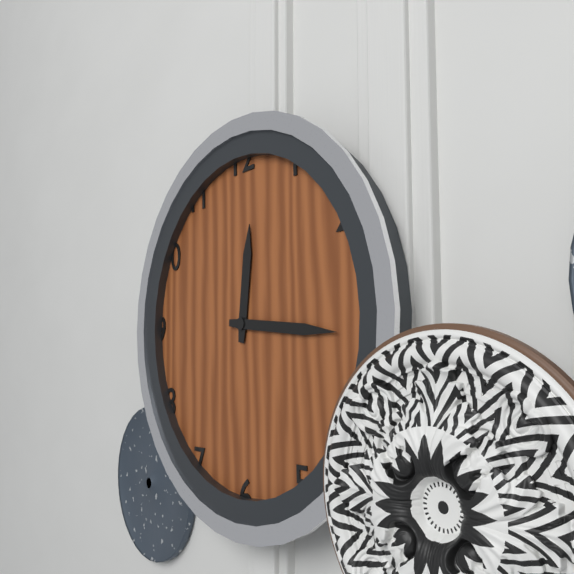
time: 12:16
